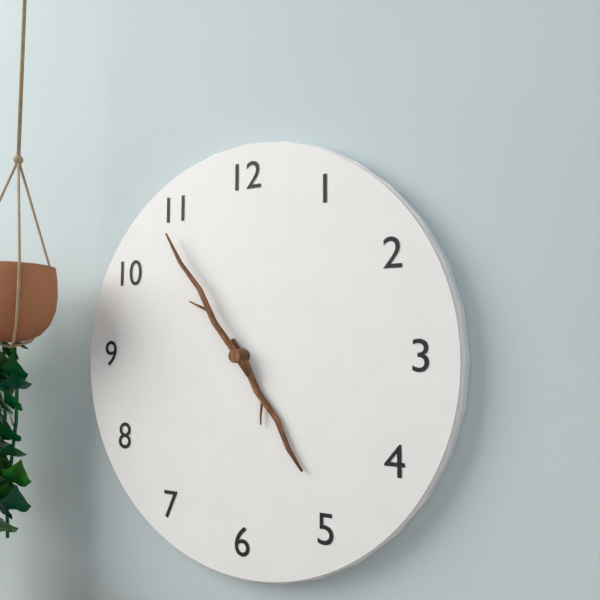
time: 4:54
